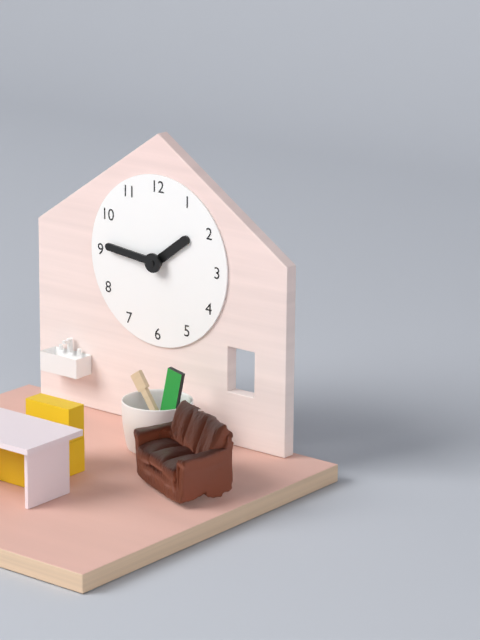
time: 1:46
